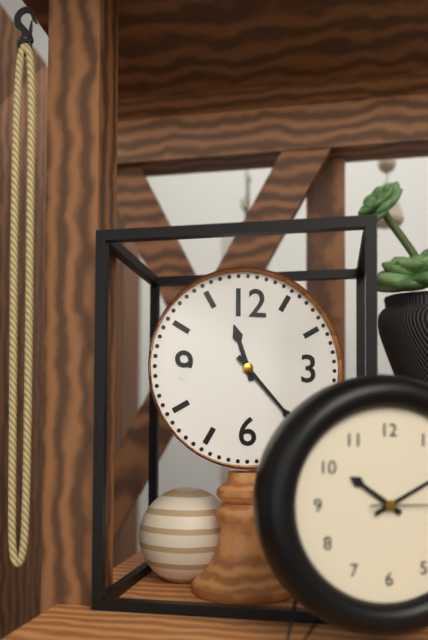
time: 11:23
